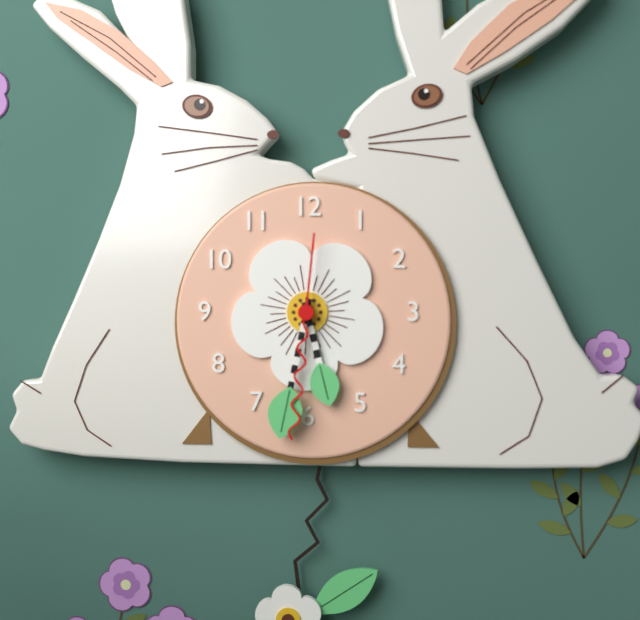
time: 5:32:31
